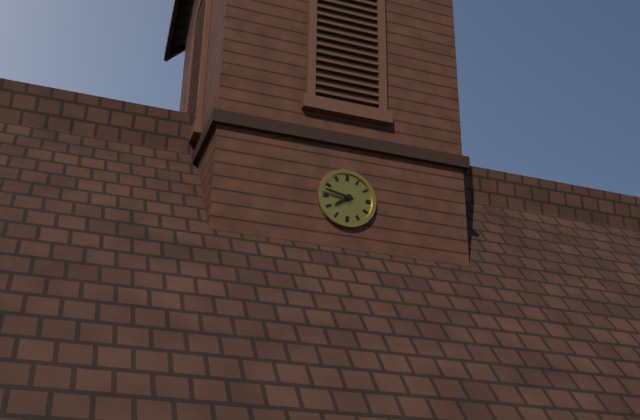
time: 7:47
